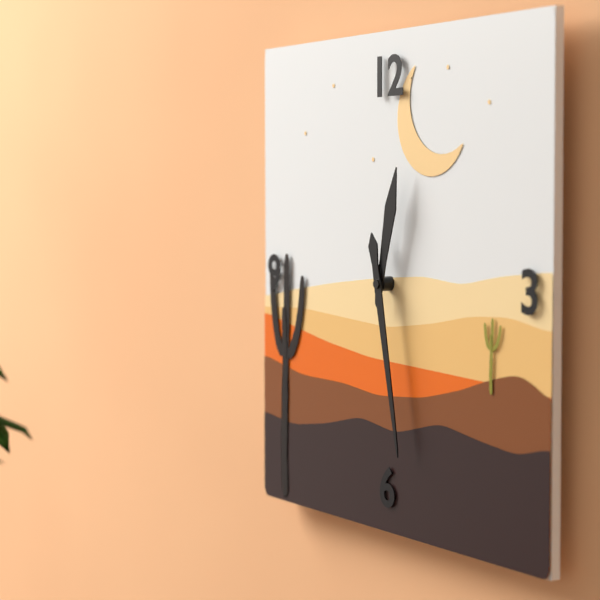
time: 12:28
